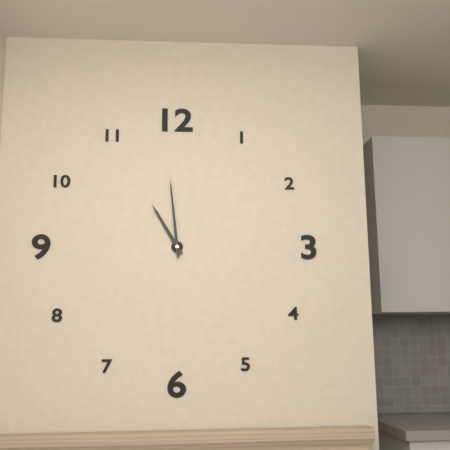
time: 10:59
